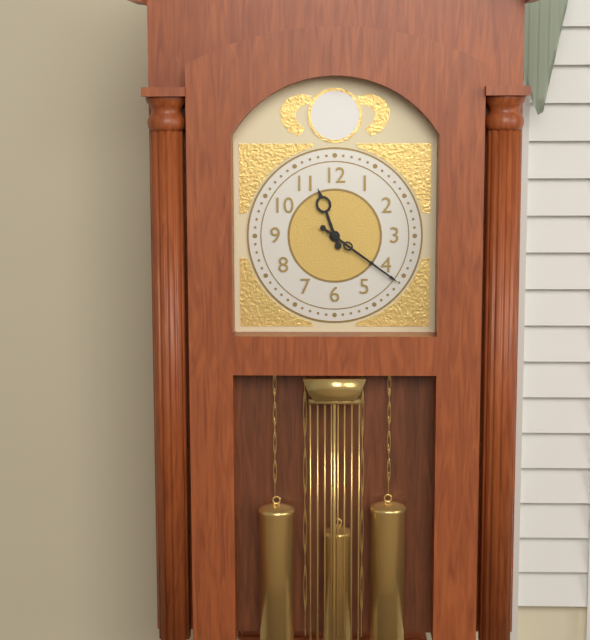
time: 11:21
